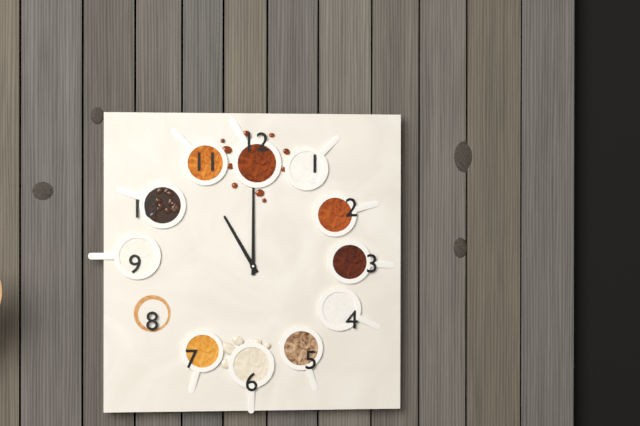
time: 11:00
